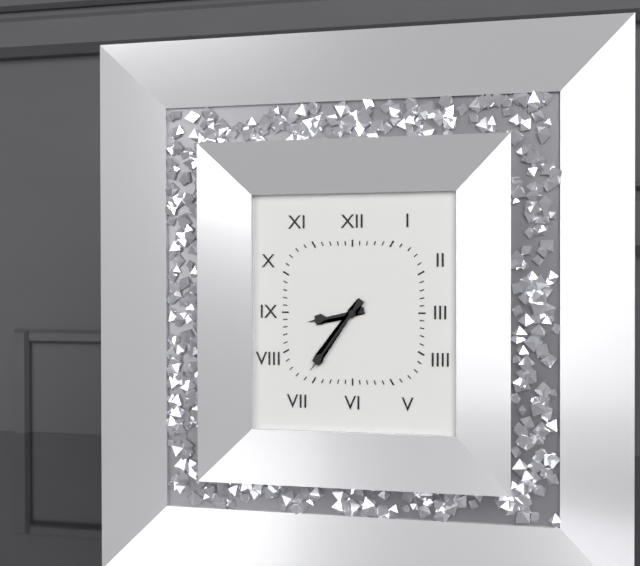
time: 8:36
